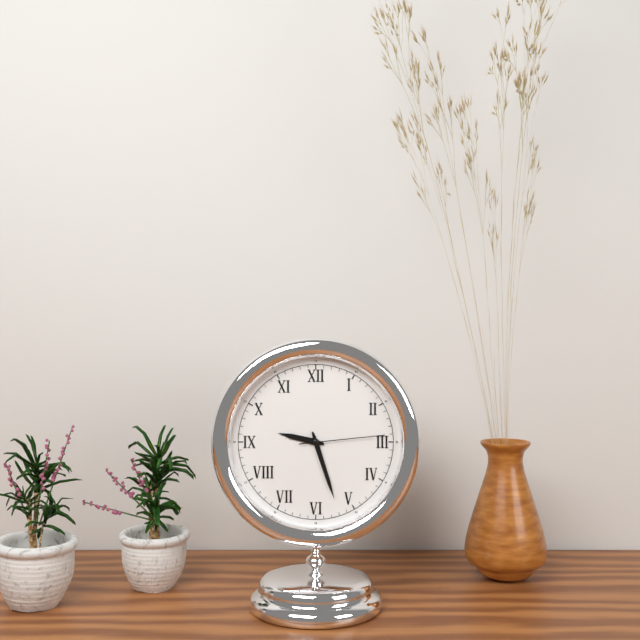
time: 9:27:14
